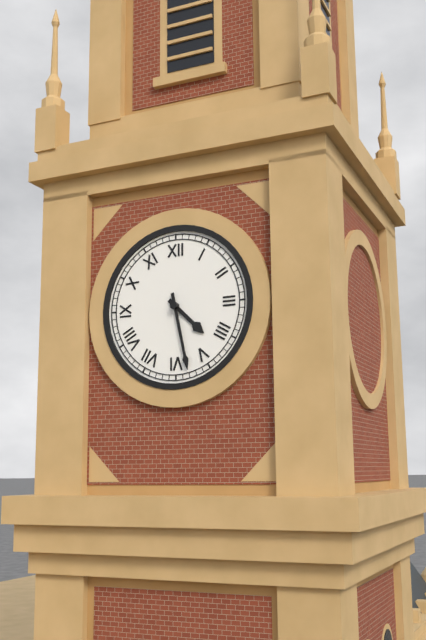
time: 4:28
